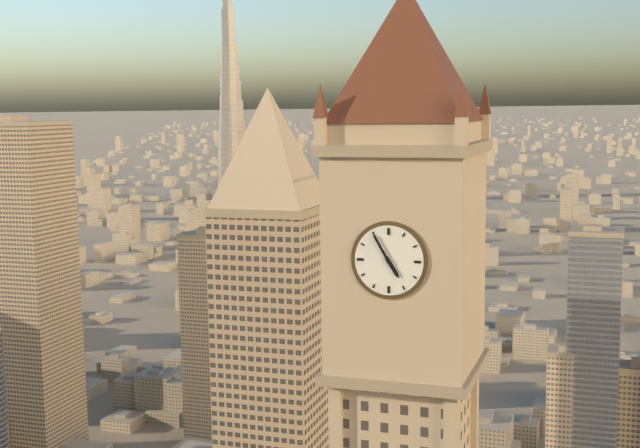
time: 4:55
